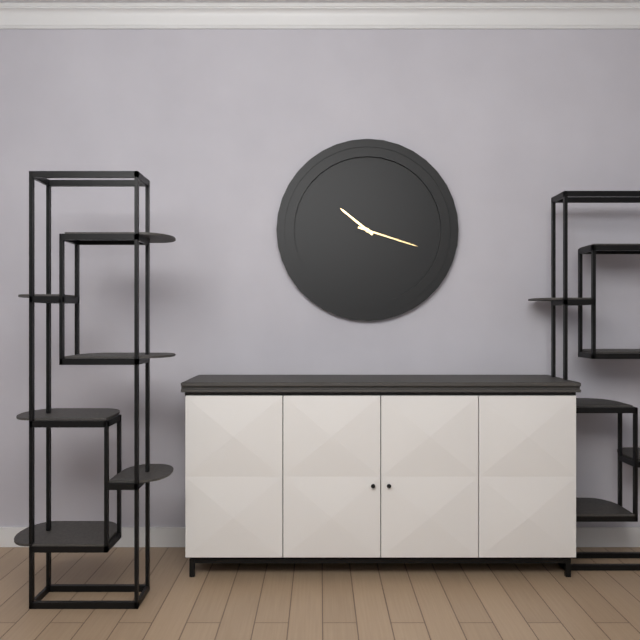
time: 10:18
